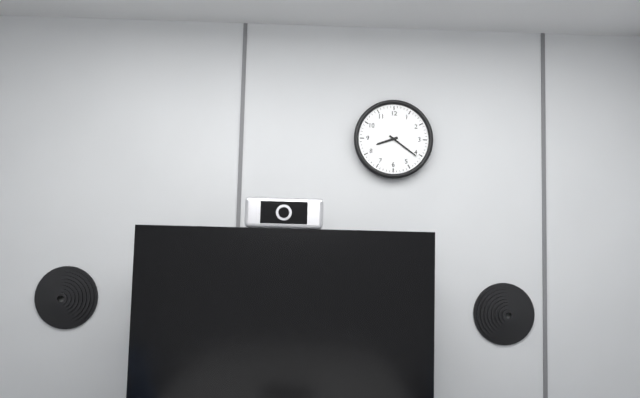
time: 8:21
